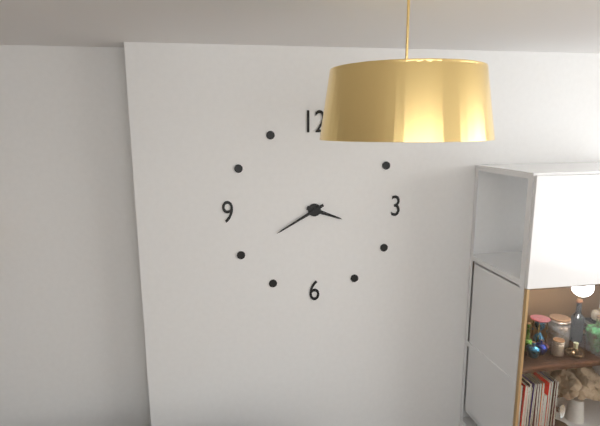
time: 3:40
